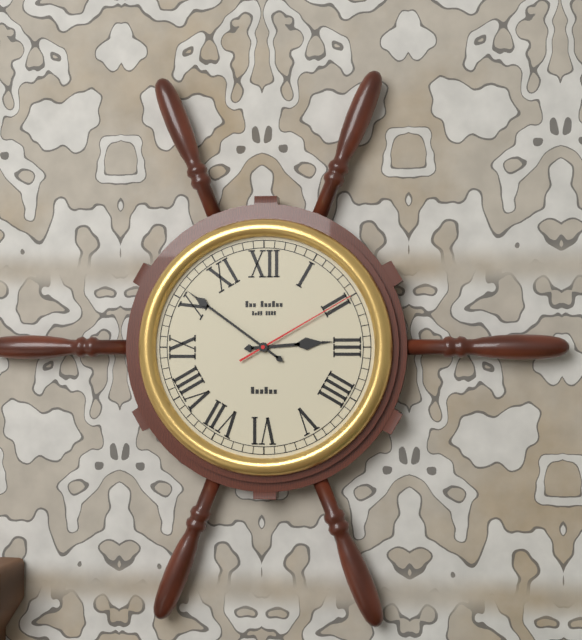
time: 2:51:10
